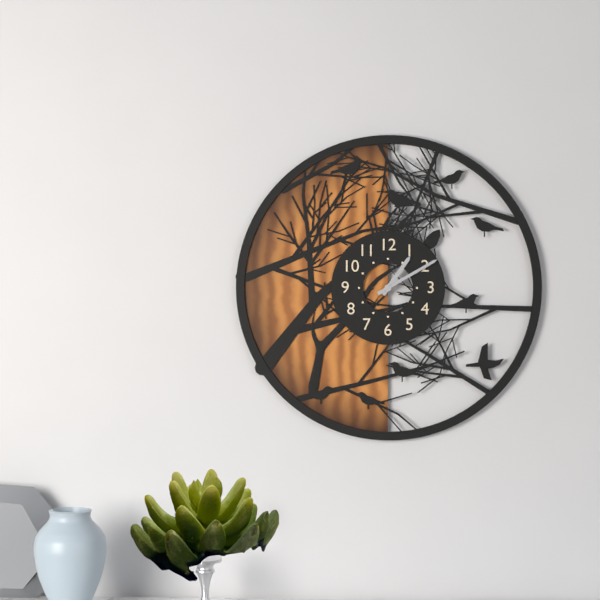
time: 1:10
